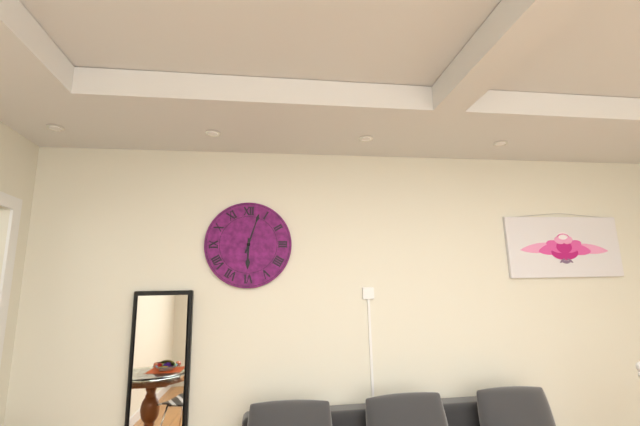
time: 6:03
